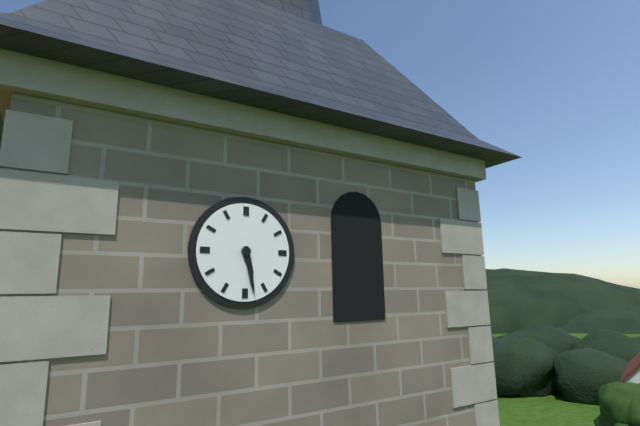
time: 5:28
